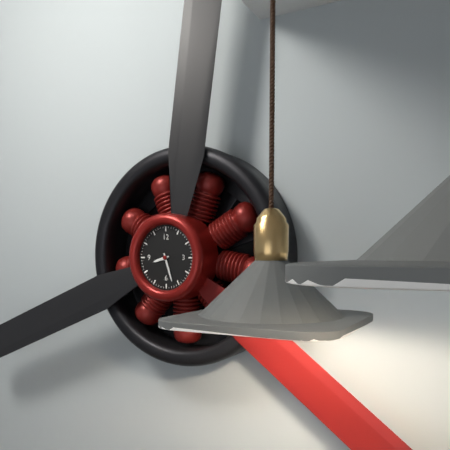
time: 8:27
